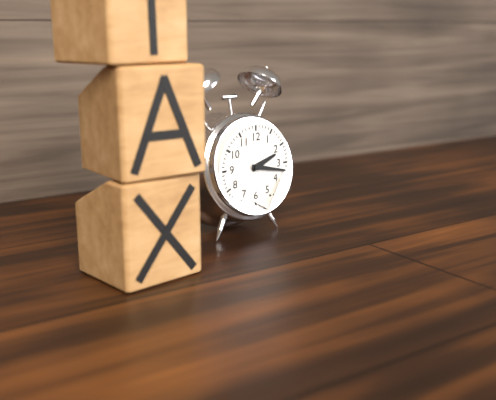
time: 2:17
